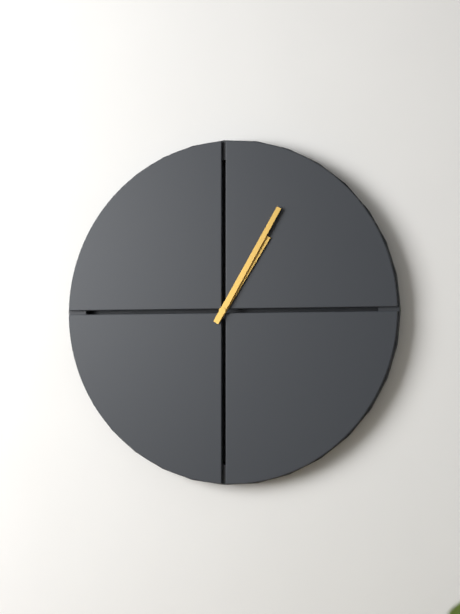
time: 1:05
